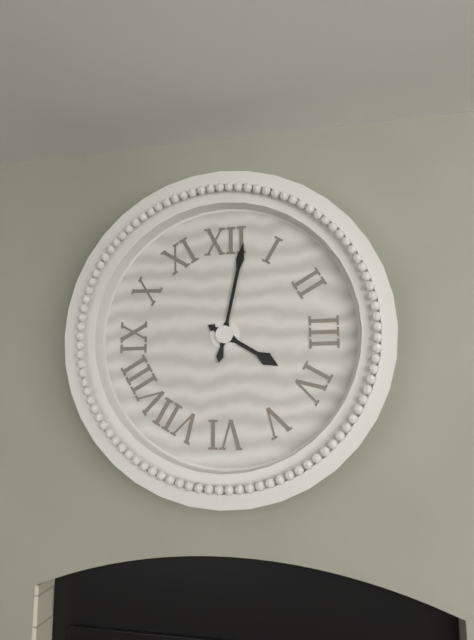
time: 4:02
